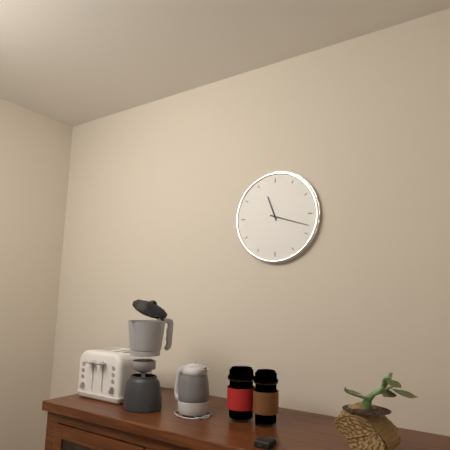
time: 11:18
